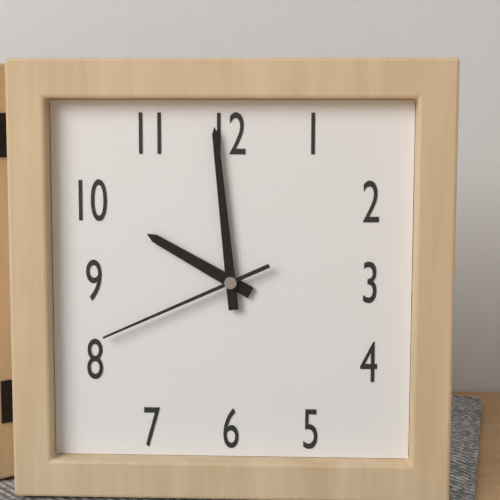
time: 9:59:41
